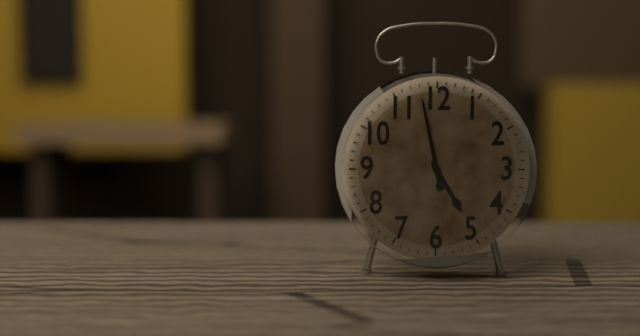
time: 4:58
